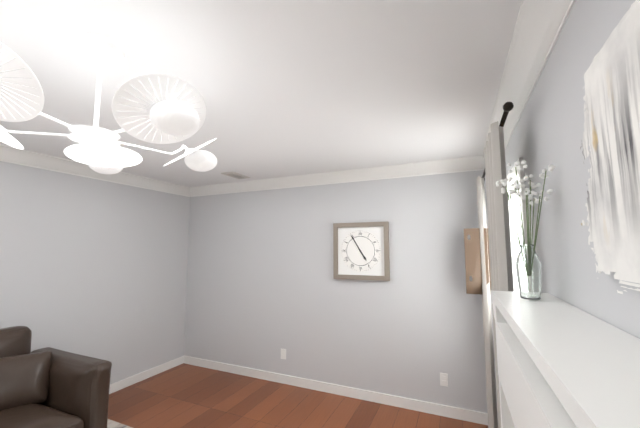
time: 4:55
